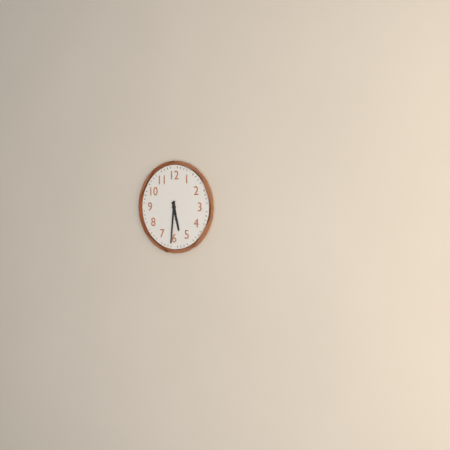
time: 5:31
